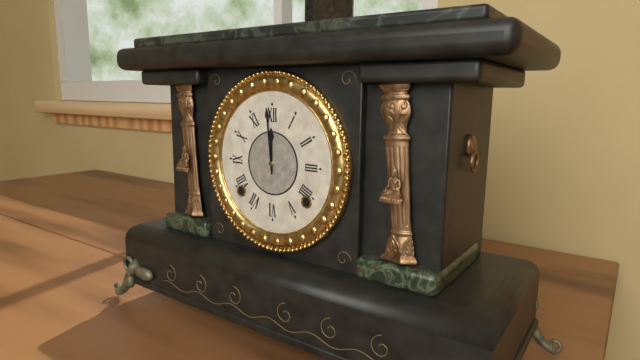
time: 11:59
